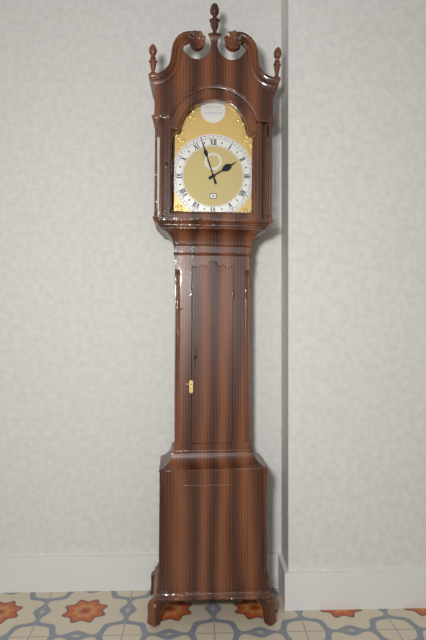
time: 1:57
